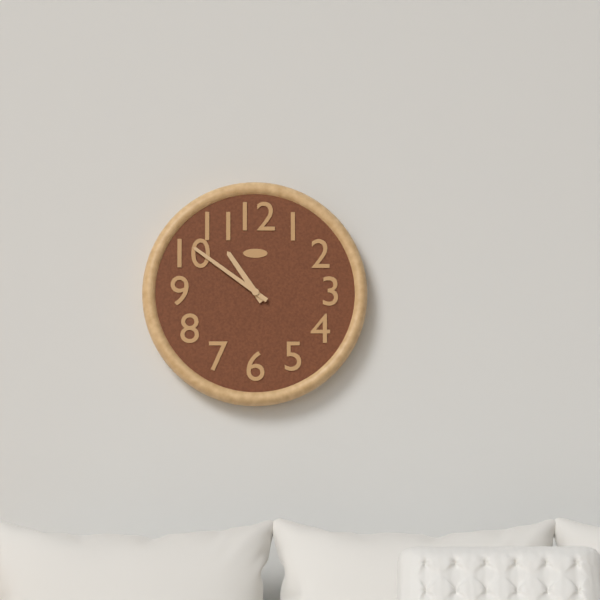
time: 10:51
